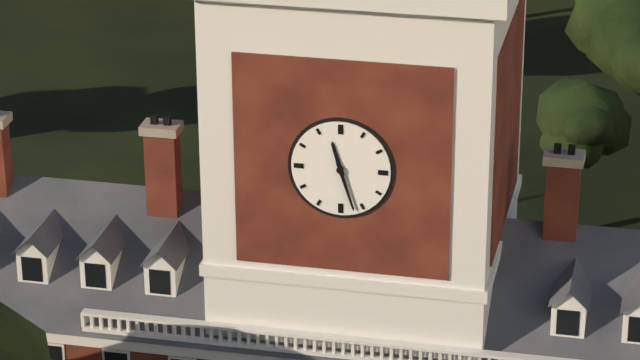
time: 11:27
